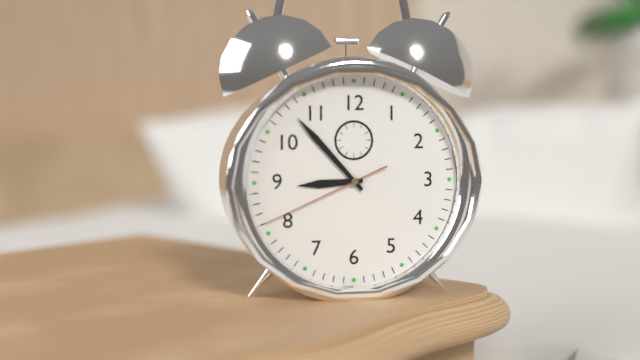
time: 8:53:41
